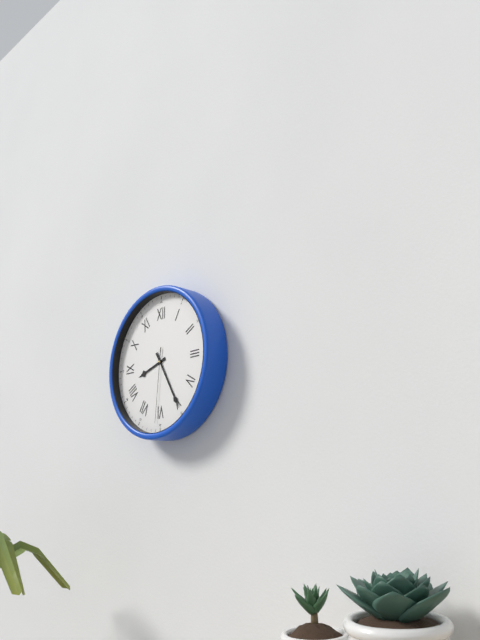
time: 8:25:31
